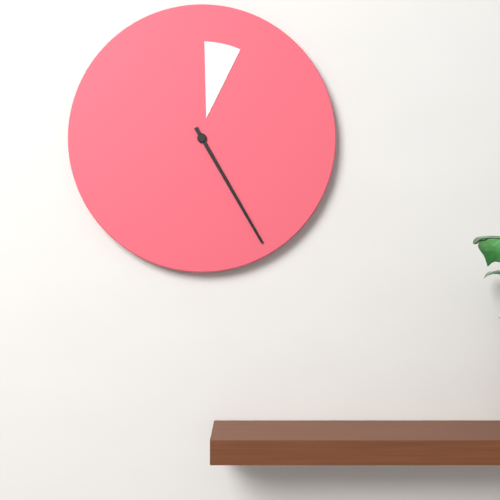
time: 12:25
